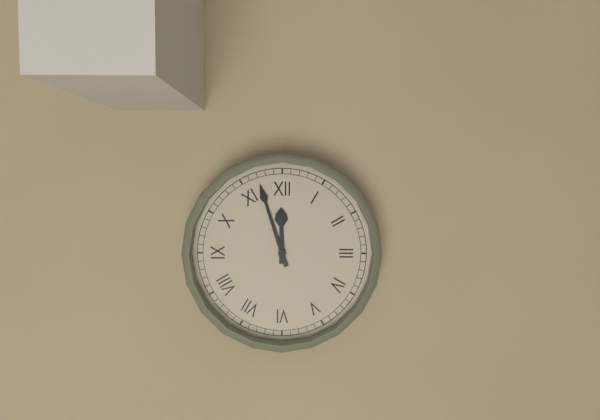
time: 11:57
